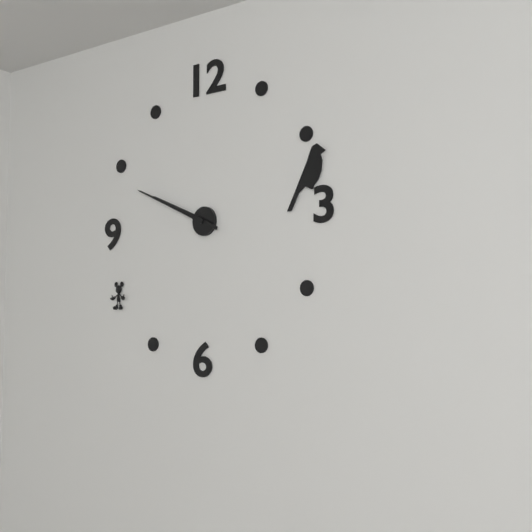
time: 9:49
